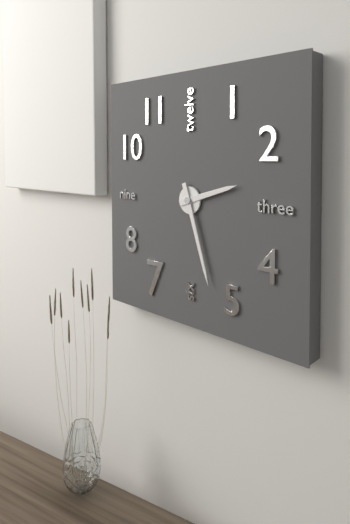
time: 2:27
